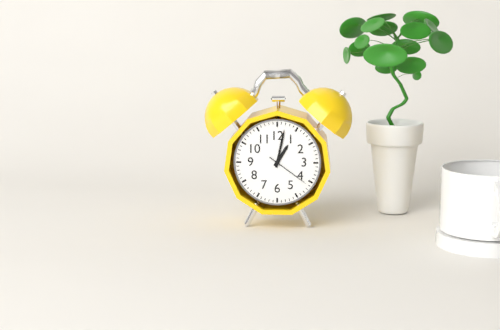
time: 1:02
